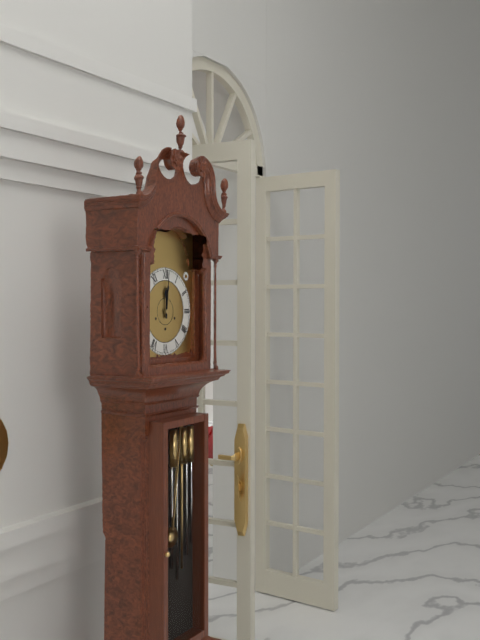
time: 12:01
